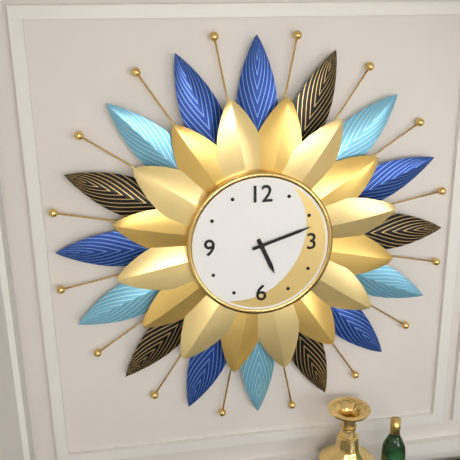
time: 5:12
